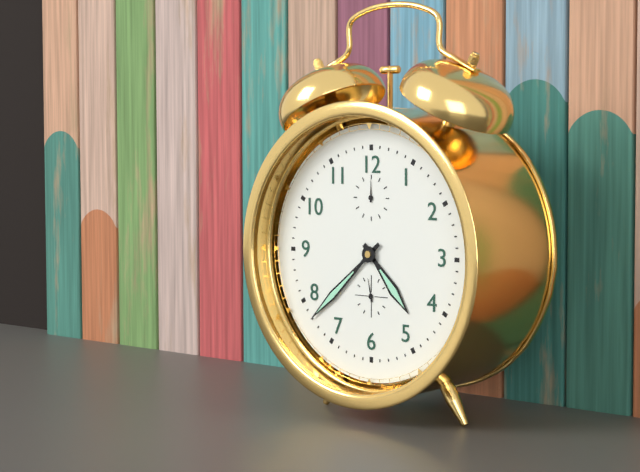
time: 4:38
